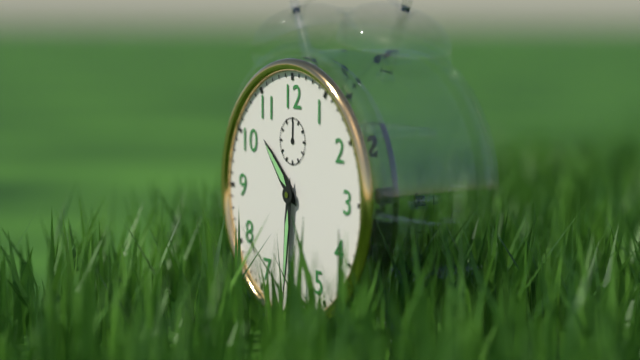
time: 10:31
